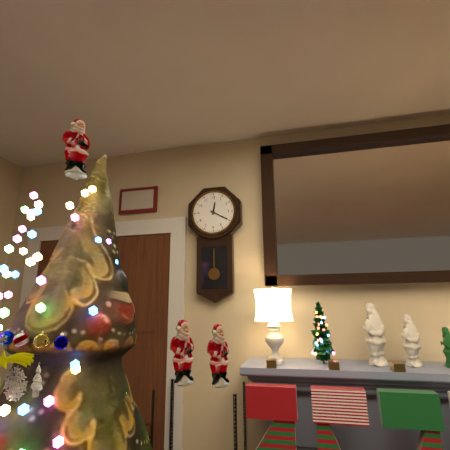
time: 12:20
